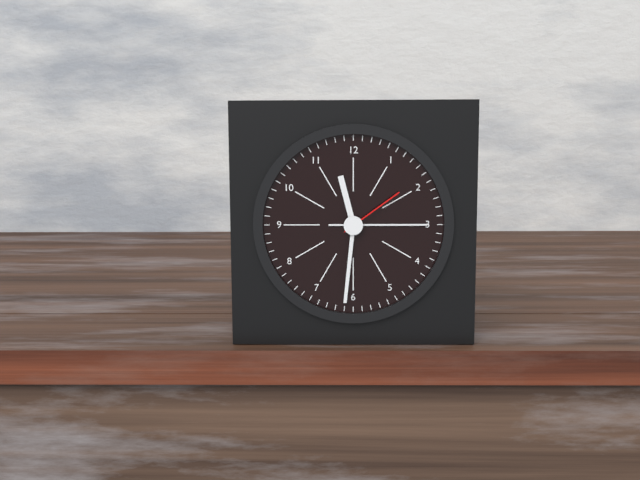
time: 11:31:09
